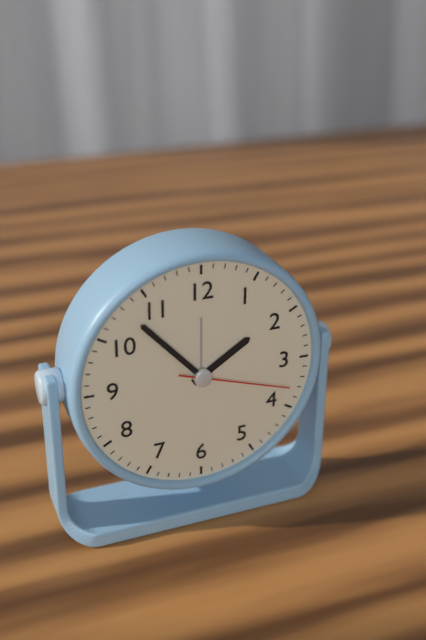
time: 1:53:18
